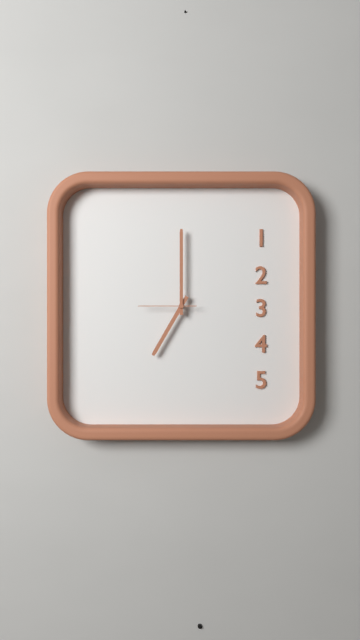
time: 7:00:45
